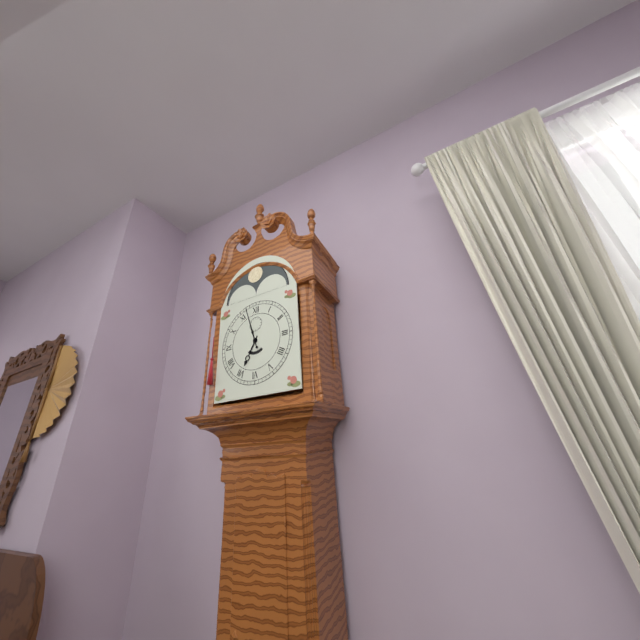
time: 6:57
